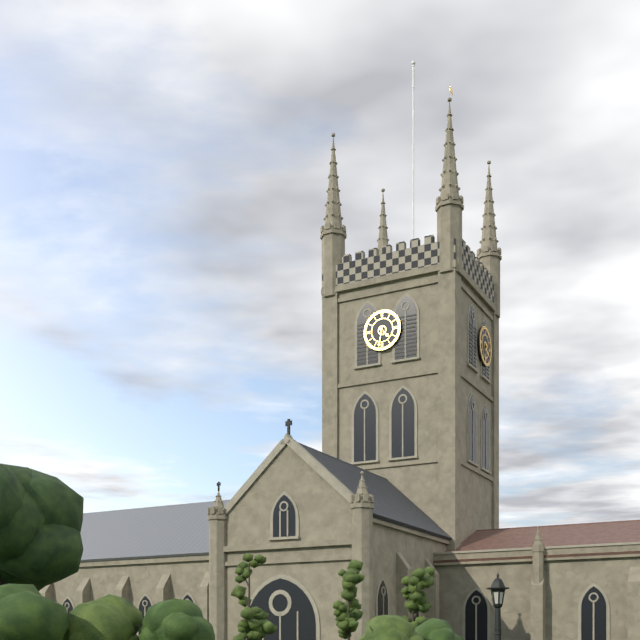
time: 4:32
